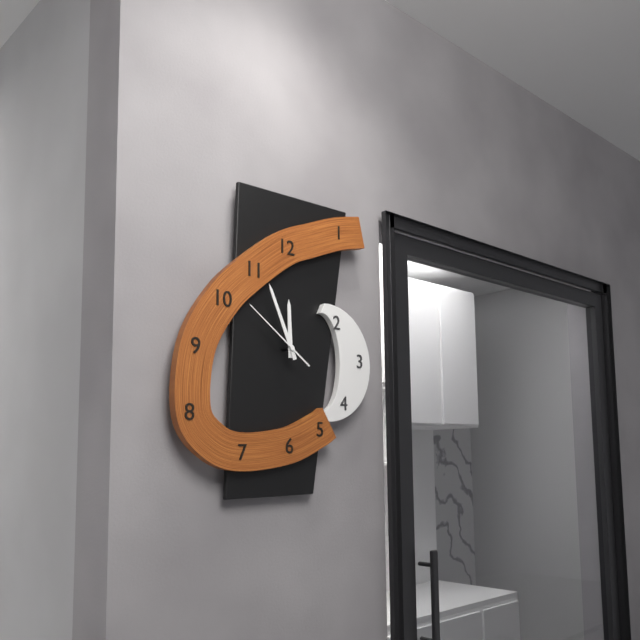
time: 11:56:51
